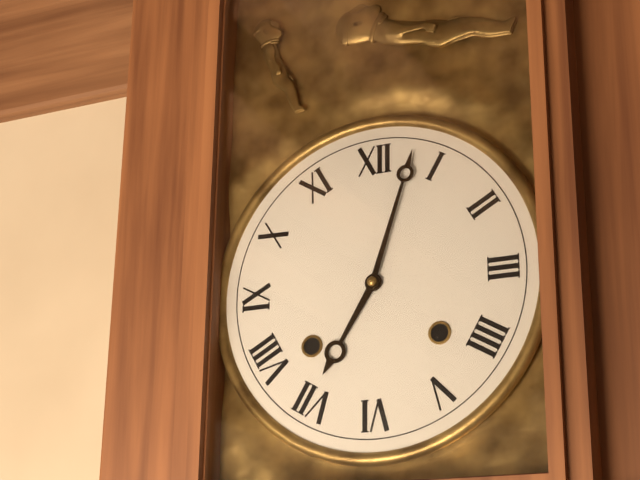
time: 7:03
